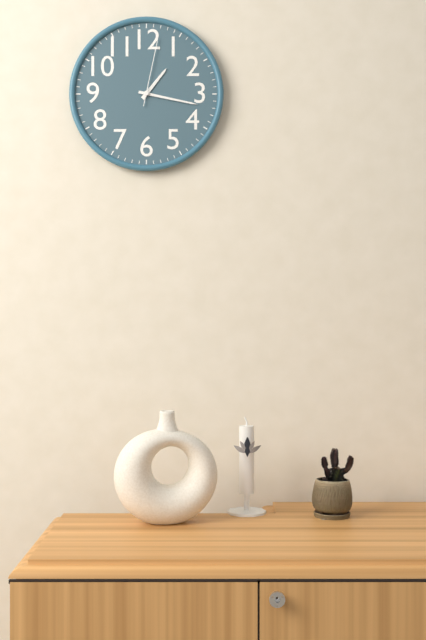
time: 1:17:02
